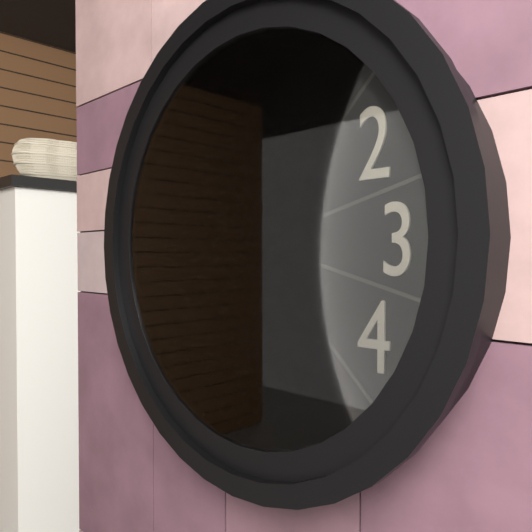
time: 2:25
